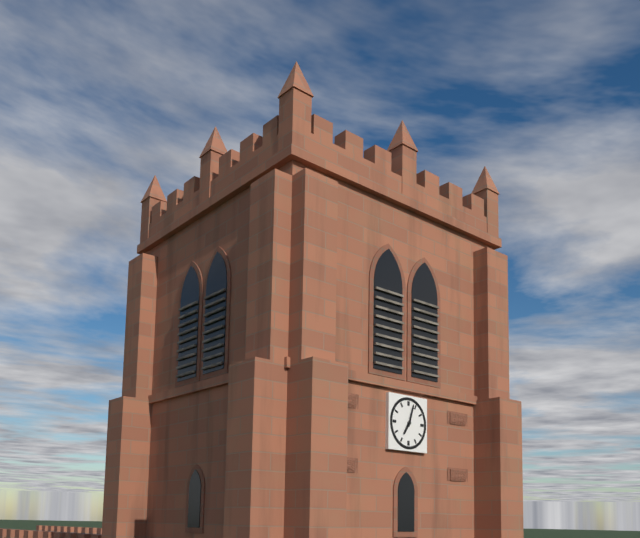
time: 7:03
